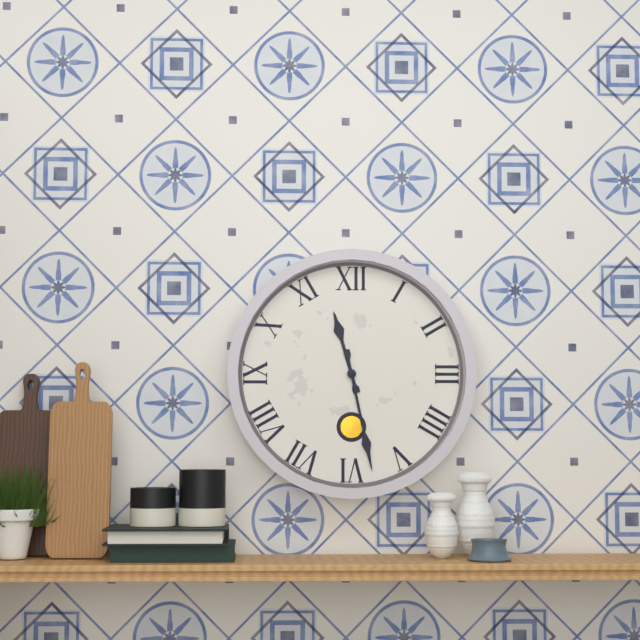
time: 11:28
